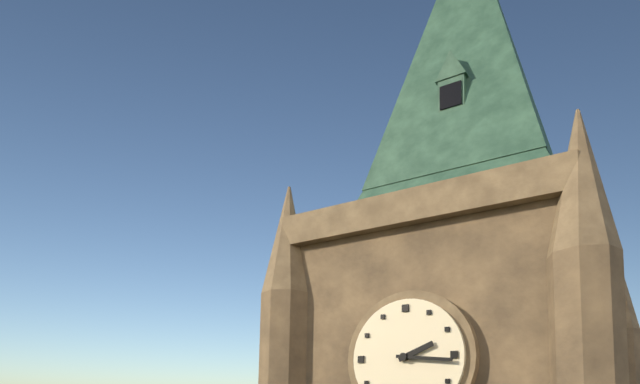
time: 2:16
